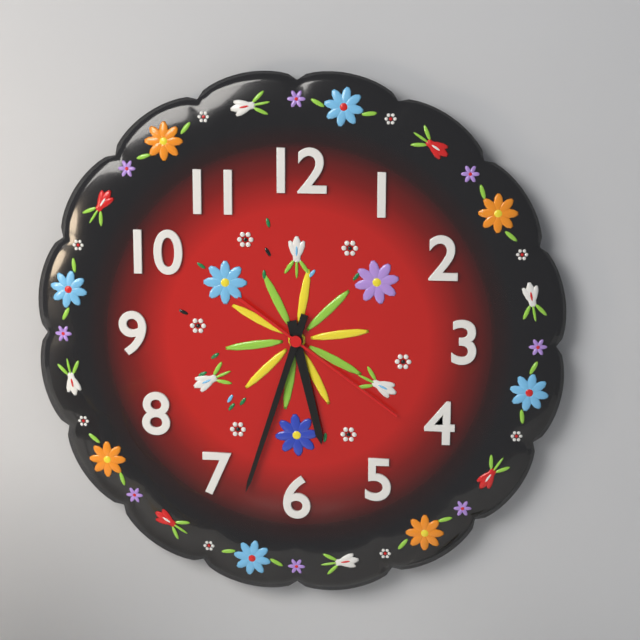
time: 5:33:21
